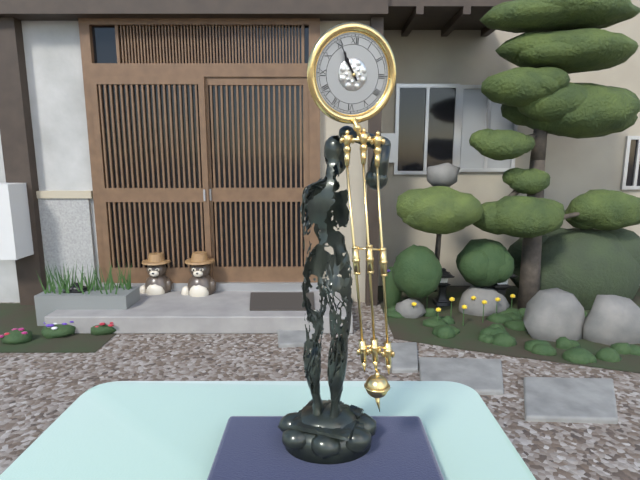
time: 10:55
